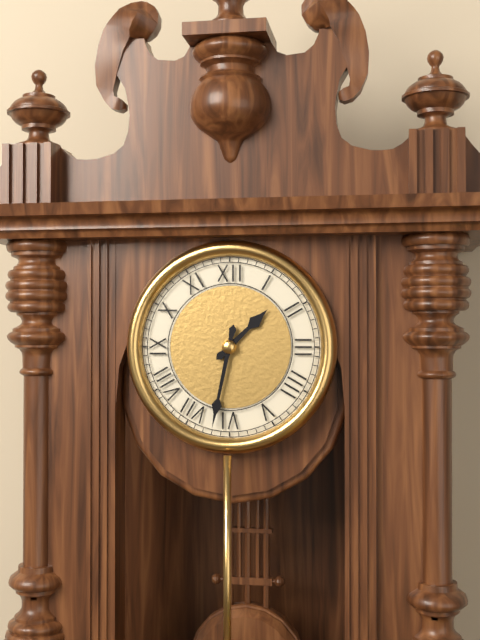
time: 1:32
